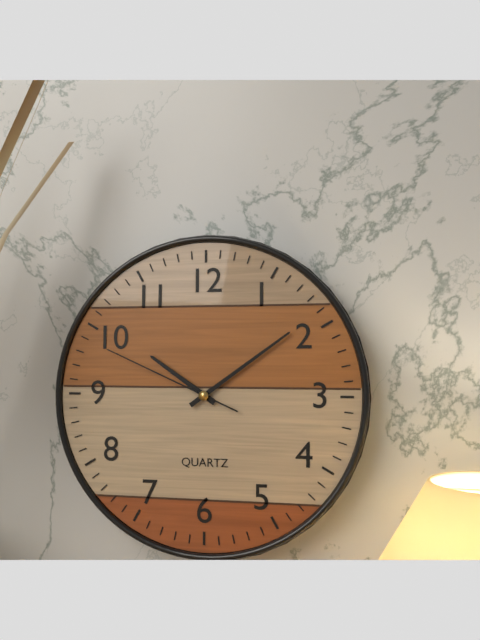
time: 10:09:49
